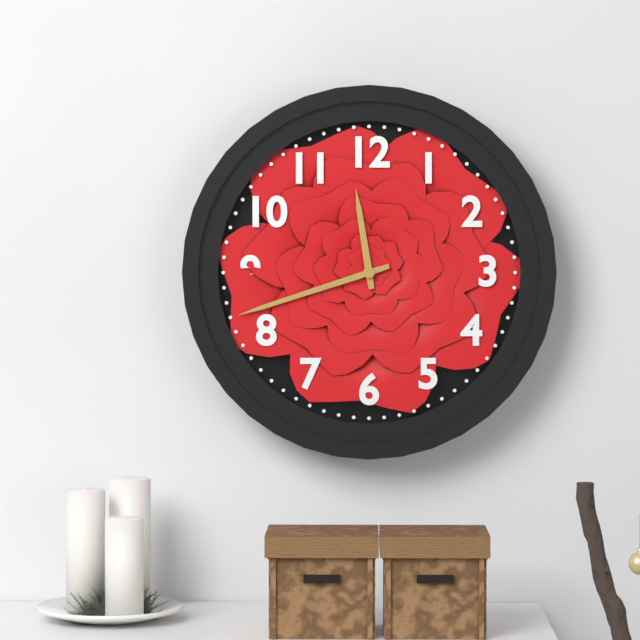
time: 11:42
